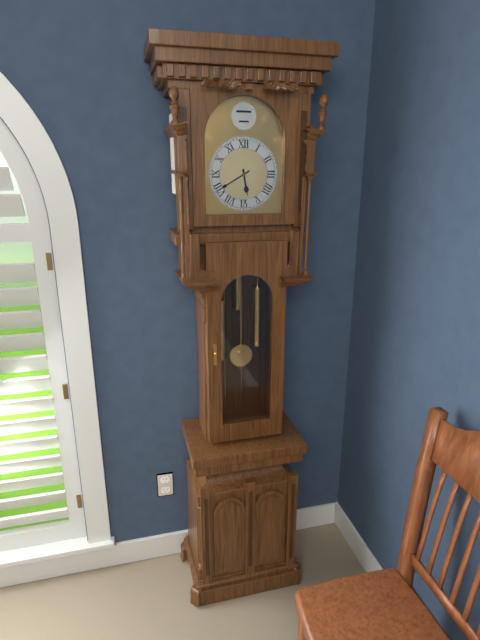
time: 5:40
